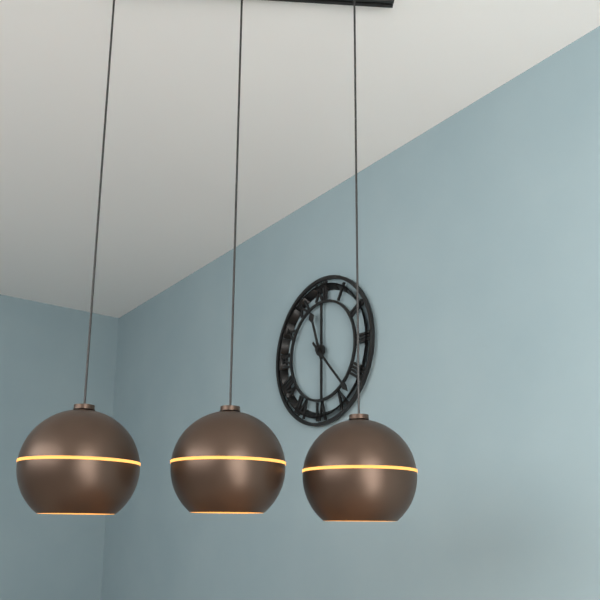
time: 11:23
